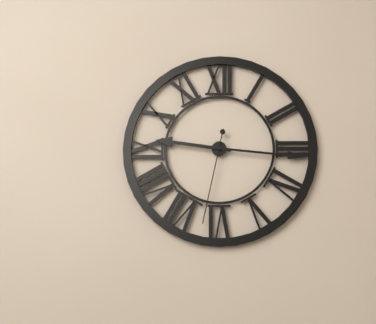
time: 9:16:32
